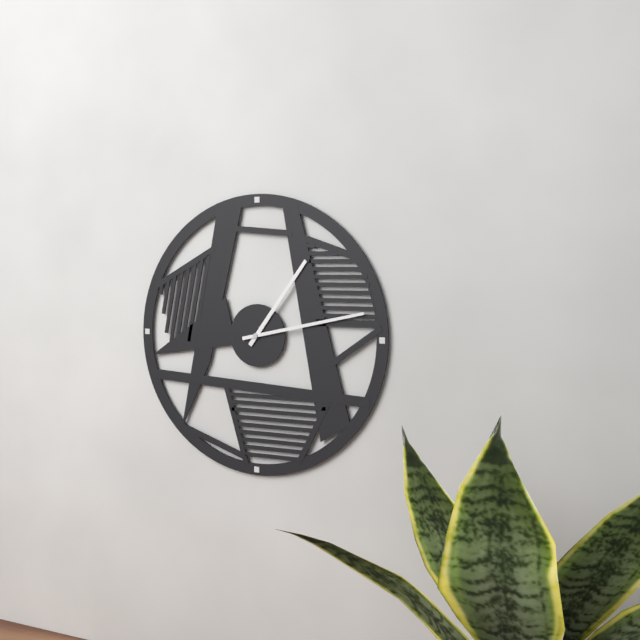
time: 1:13
